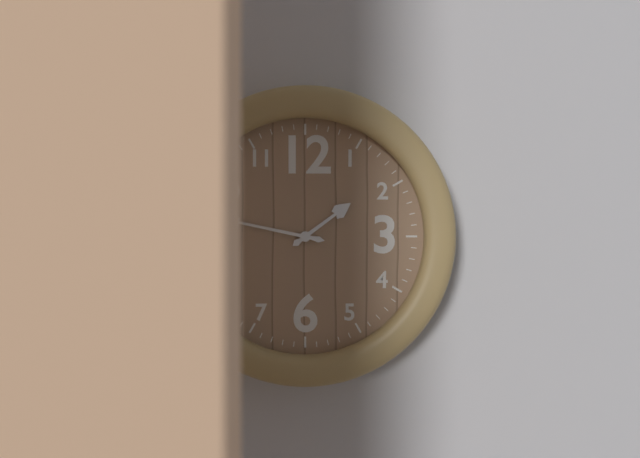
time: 1:47
